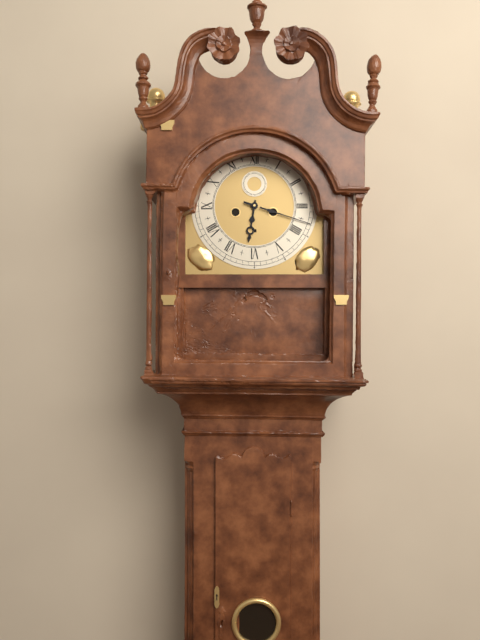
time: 6:18
